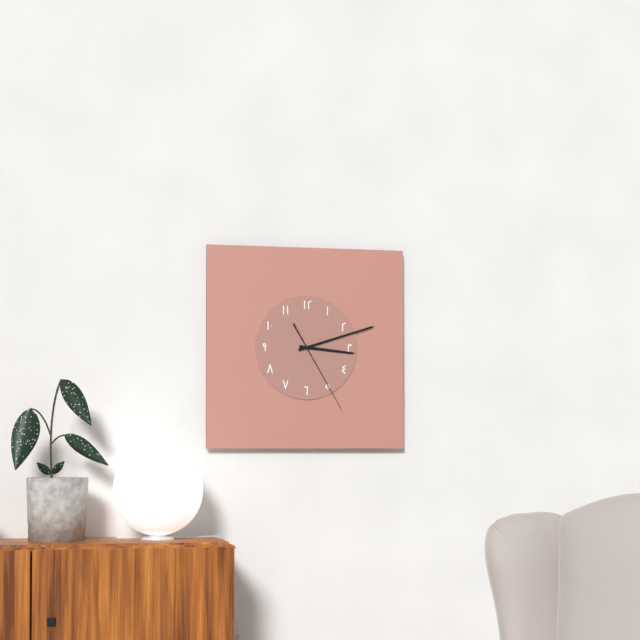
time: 3:12:25
